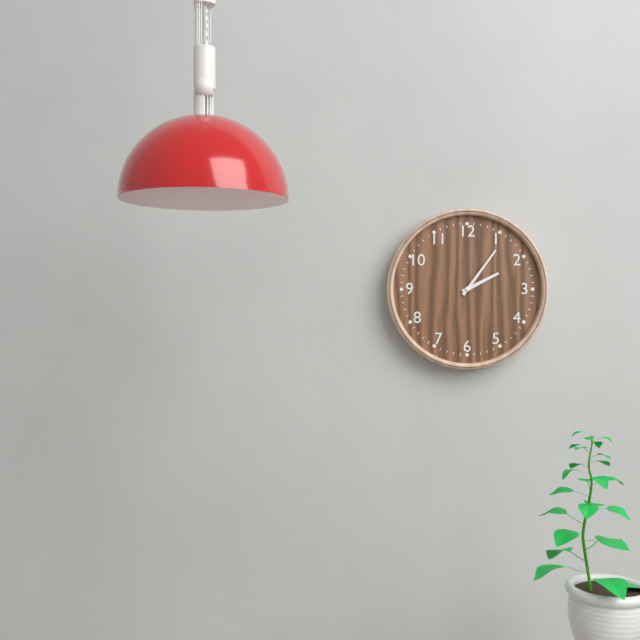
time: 2:06
